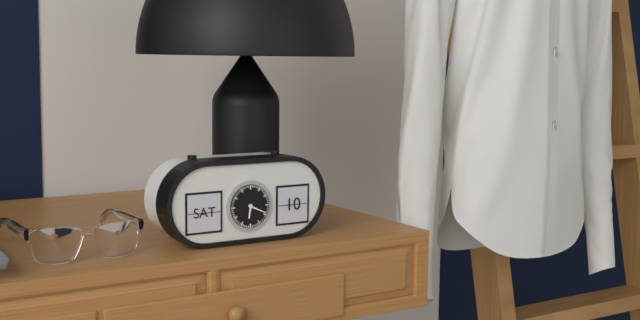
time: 6:19
